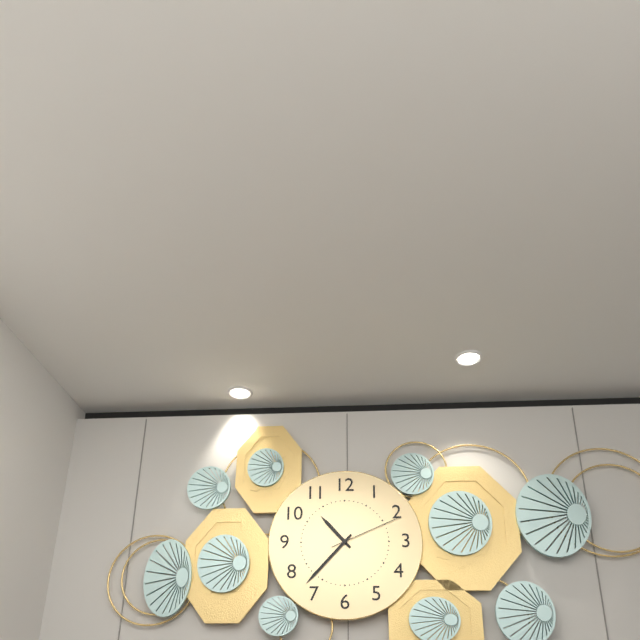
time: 10:37:11
